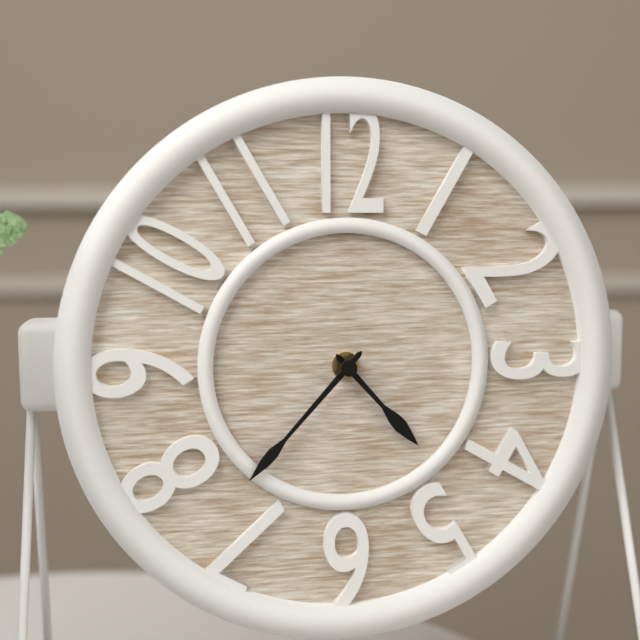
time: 4:37
